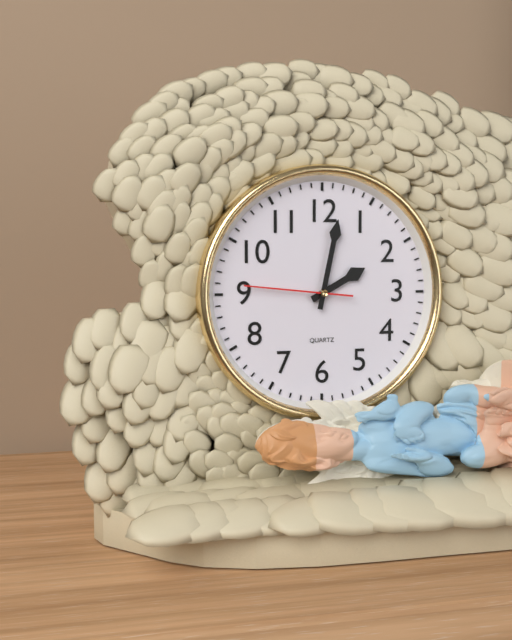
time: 2:02:46
